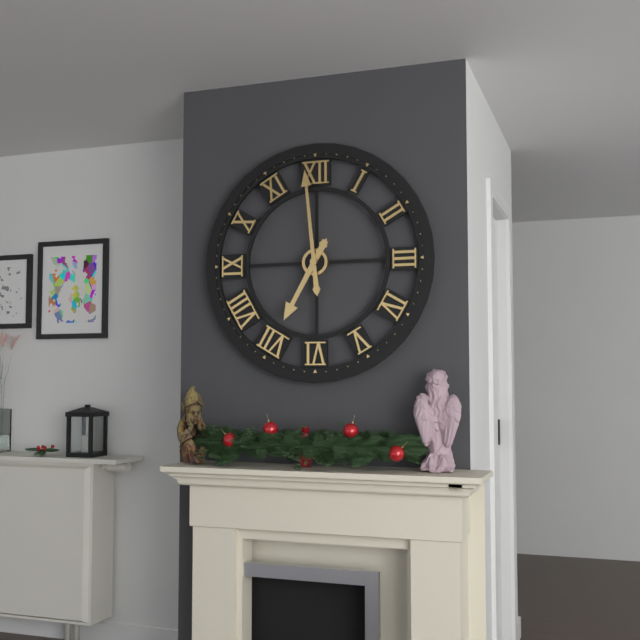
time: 6:59
